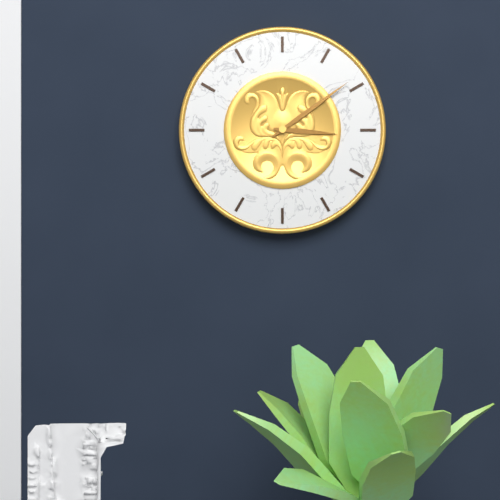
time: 3:09
